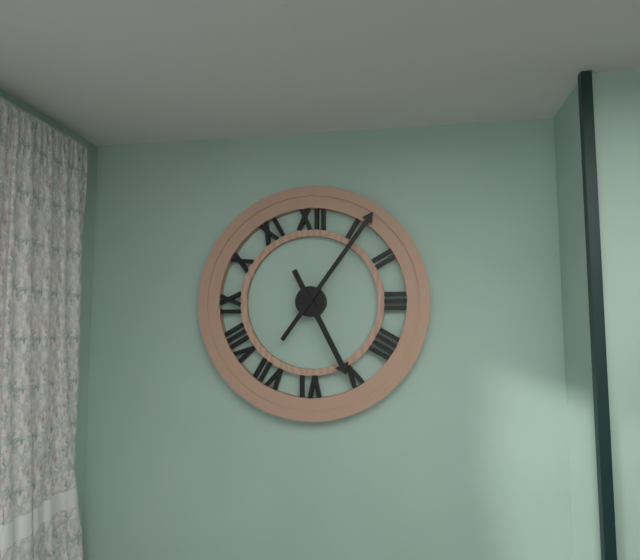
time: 5:06
